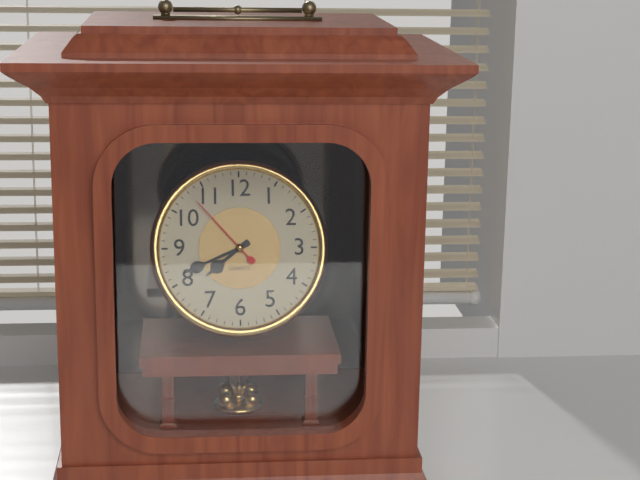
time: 7:41:53
